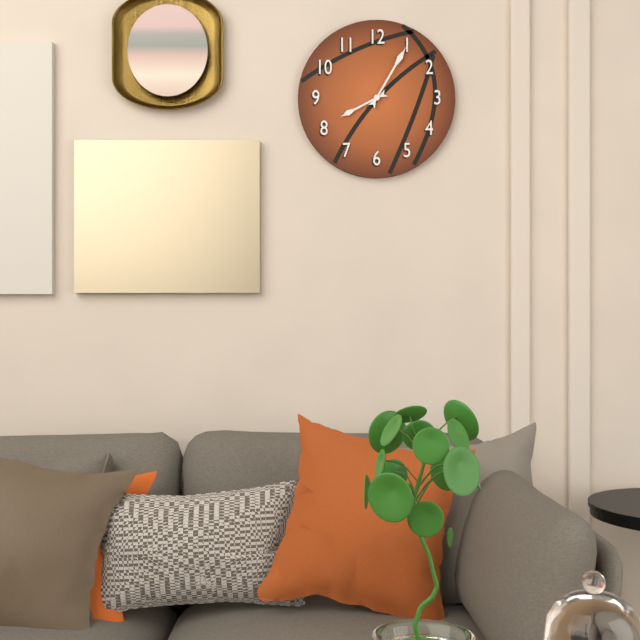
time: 8:05
